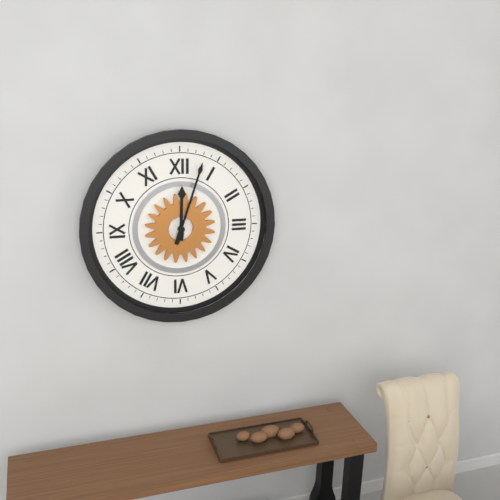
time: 12:03
